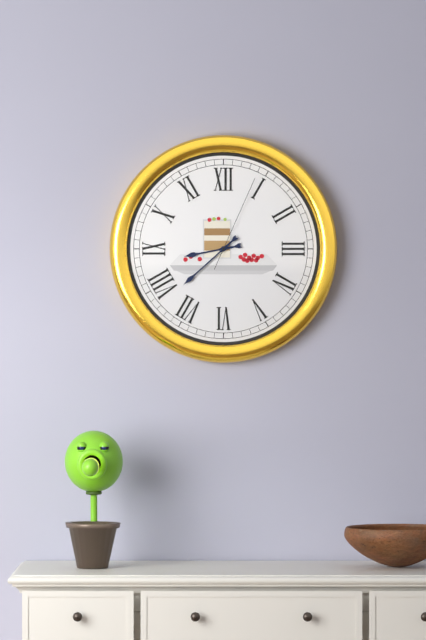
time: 8:38:04
